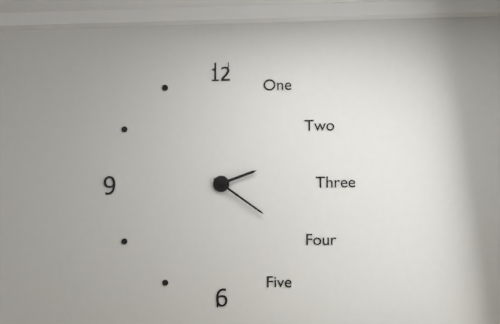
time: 2:21
